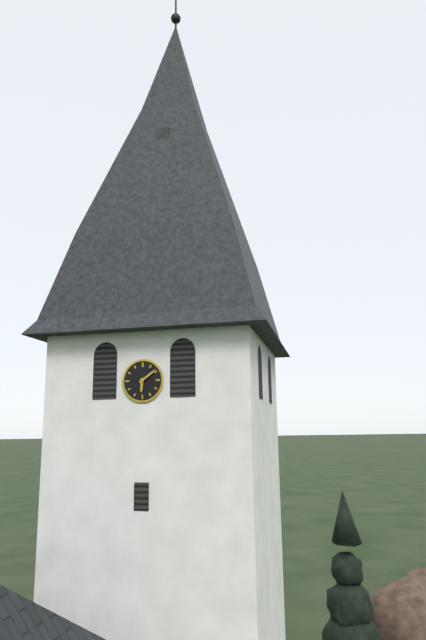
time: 6:09
